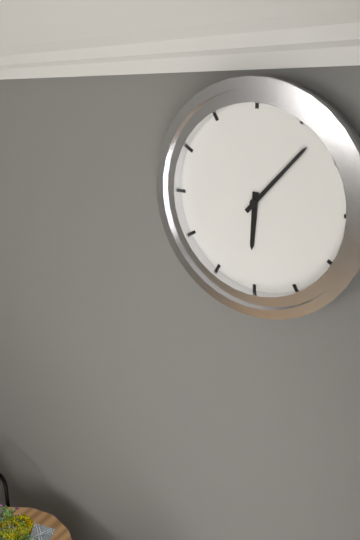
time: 6:07
